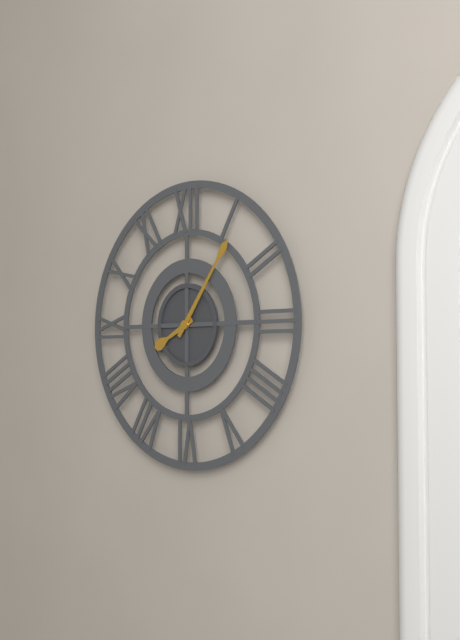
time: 8:06
